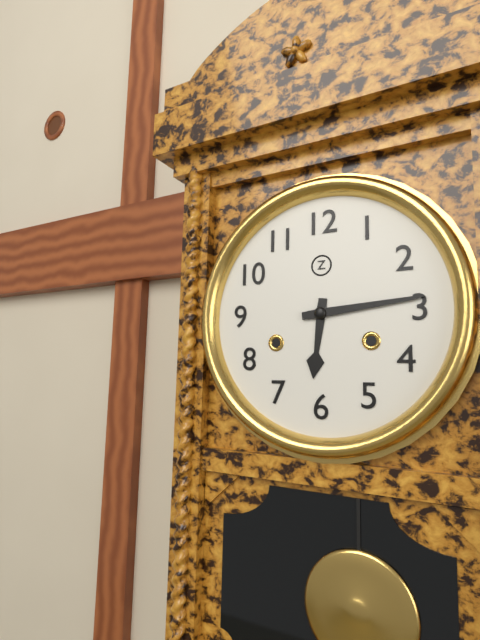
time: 6:14
